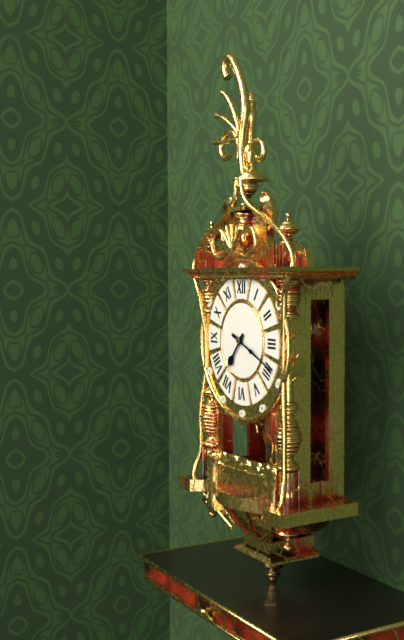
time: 7:19
